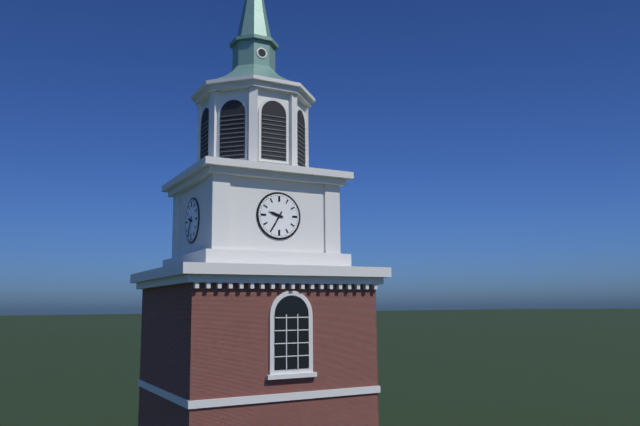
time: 9:35
